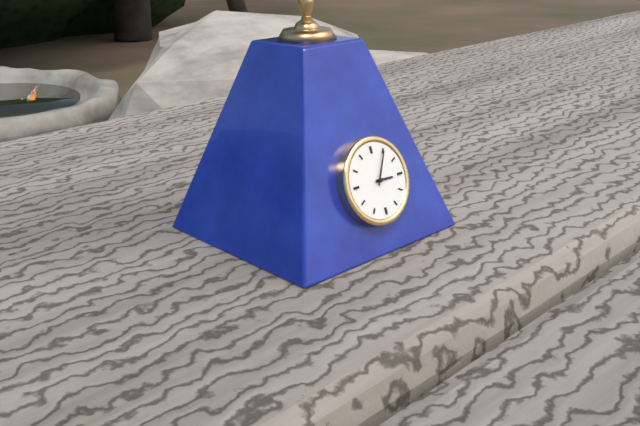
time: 3:05
